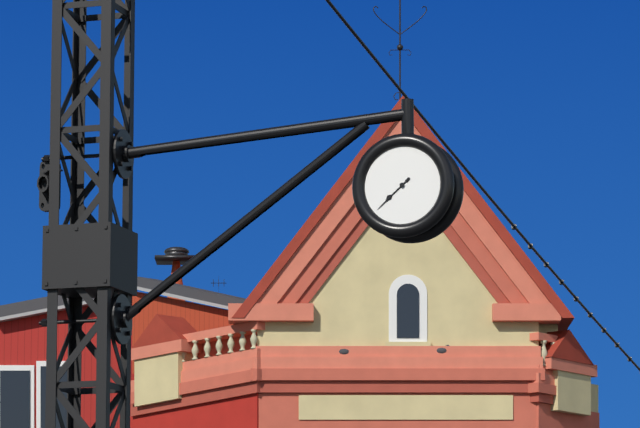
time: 7:38
